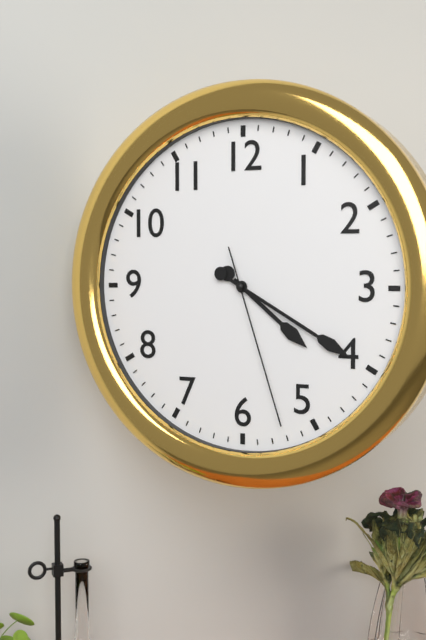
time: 4:20:27
